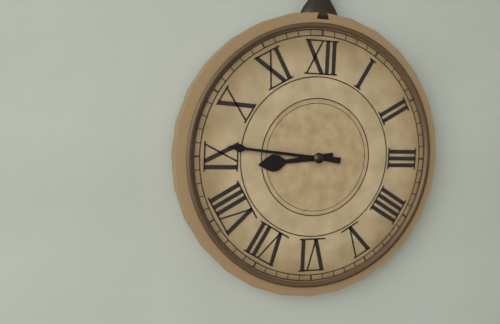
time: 8:46
